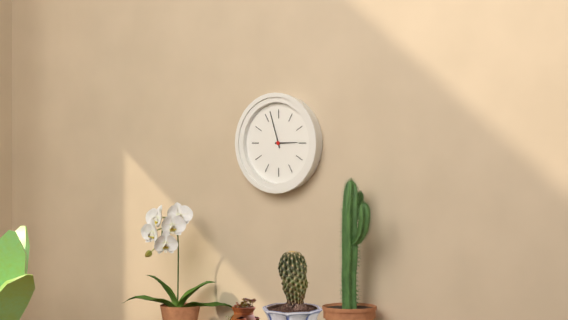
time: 2:57
